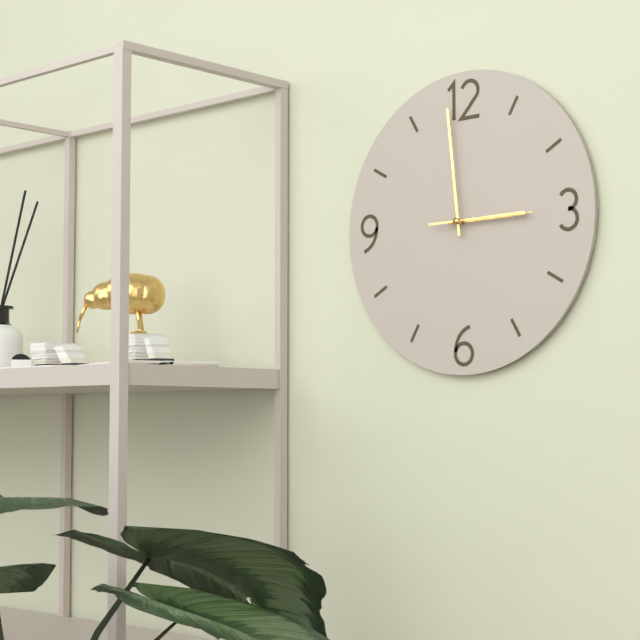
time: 2:59:15
